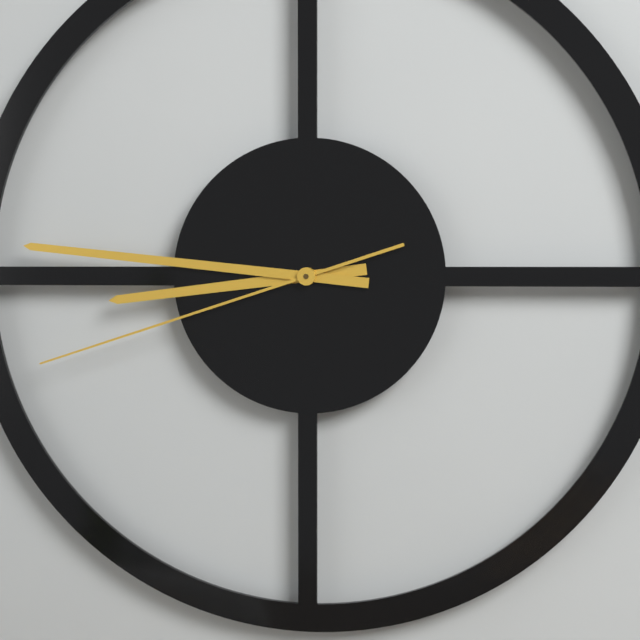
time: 8:46:42
